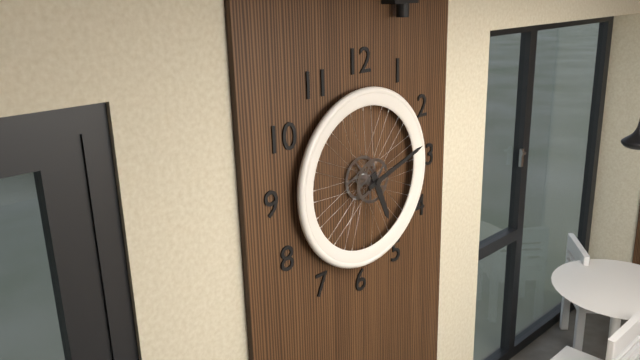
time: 5:12
